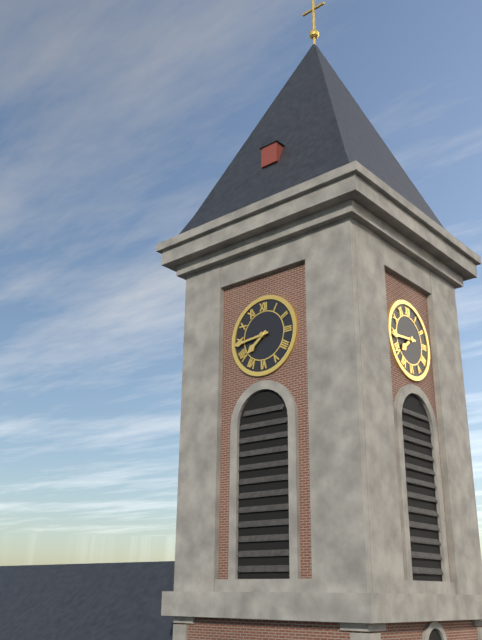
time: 7:44
